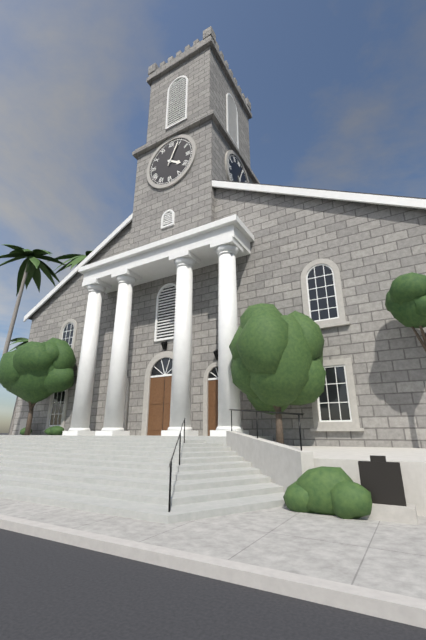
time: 4:04
